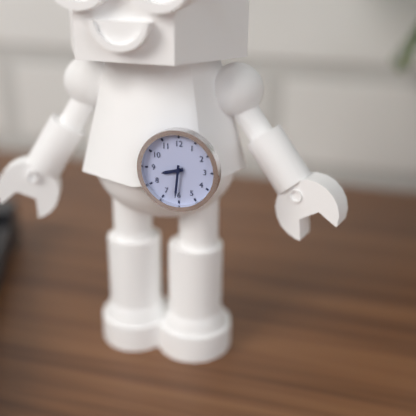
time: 8:31
